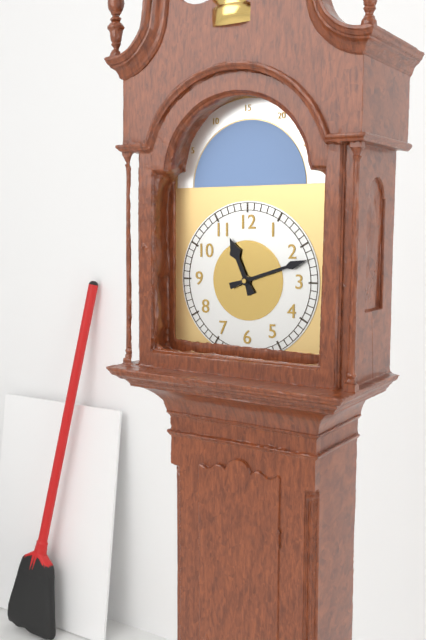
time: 11:12
